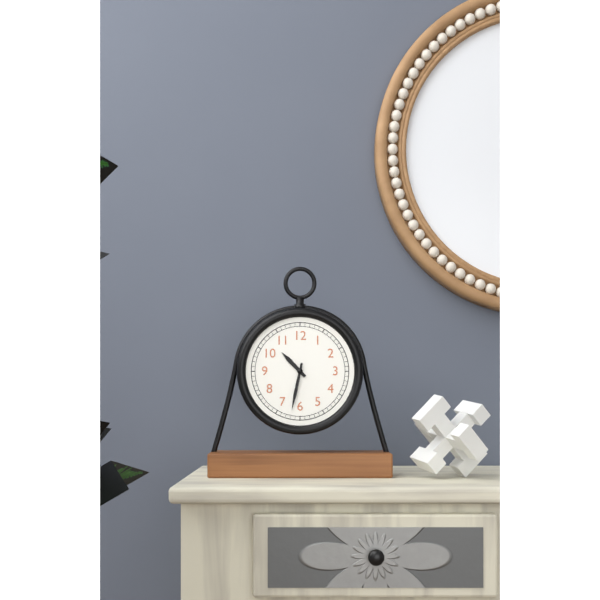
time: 10:32
